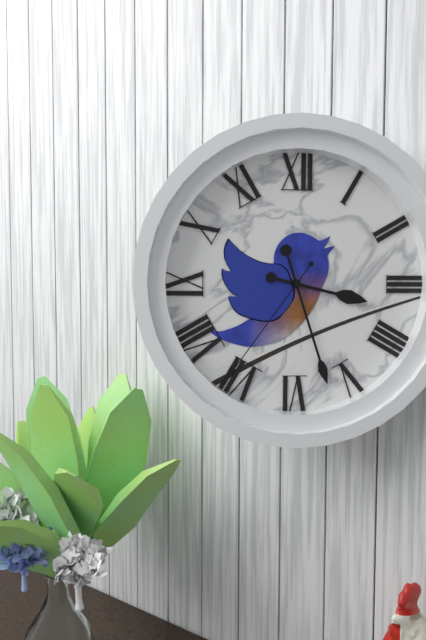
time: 3:27:36
